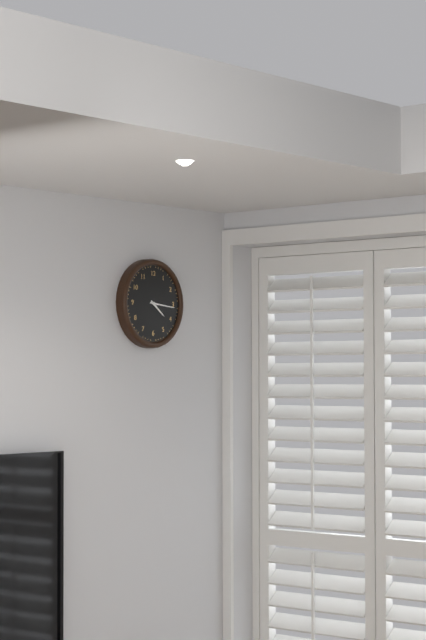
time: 4:16
